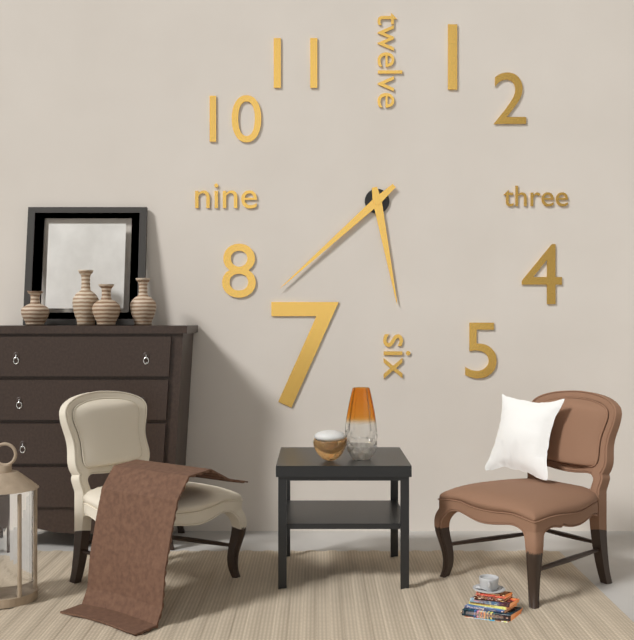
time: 5:38
